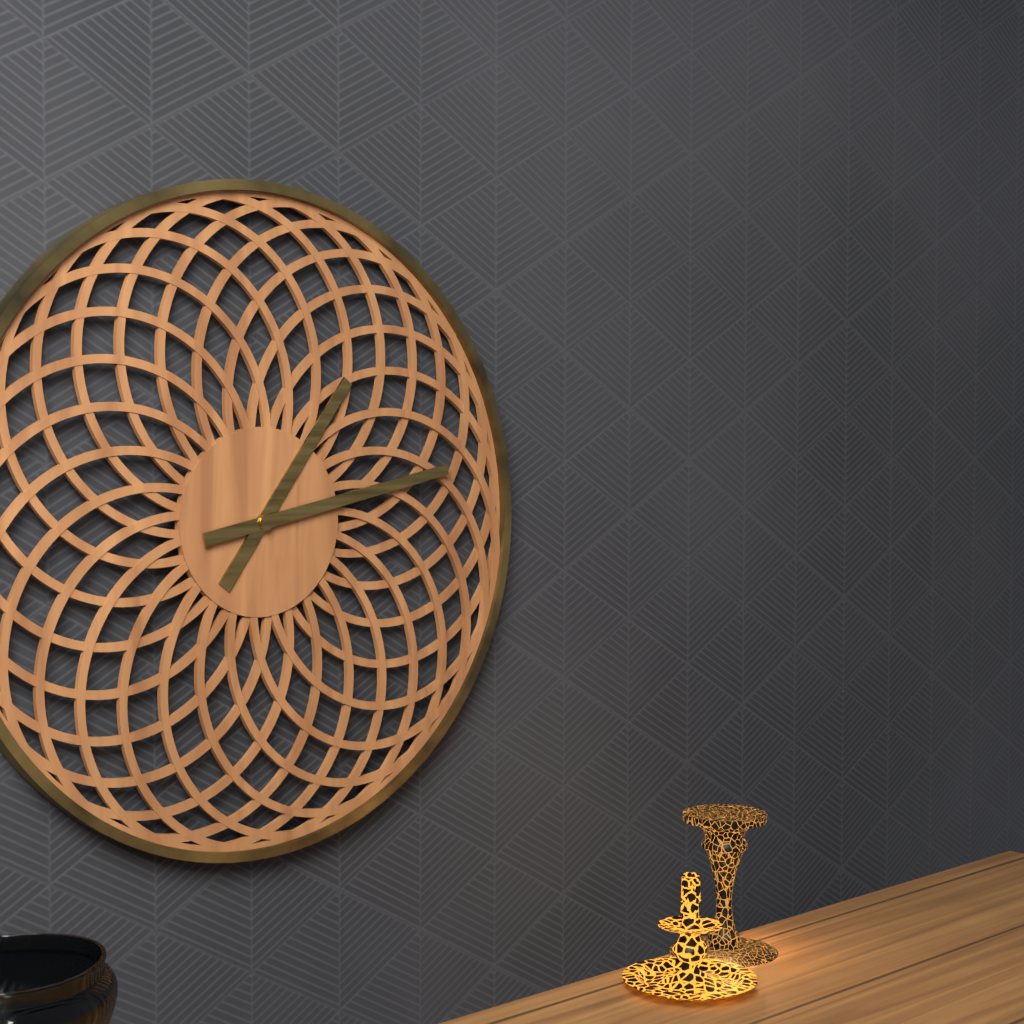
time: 1:13
